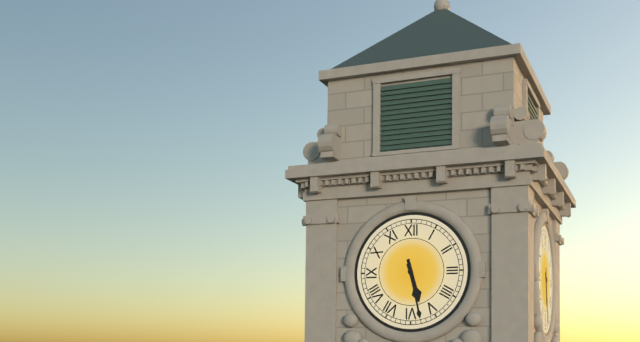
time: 5:28
